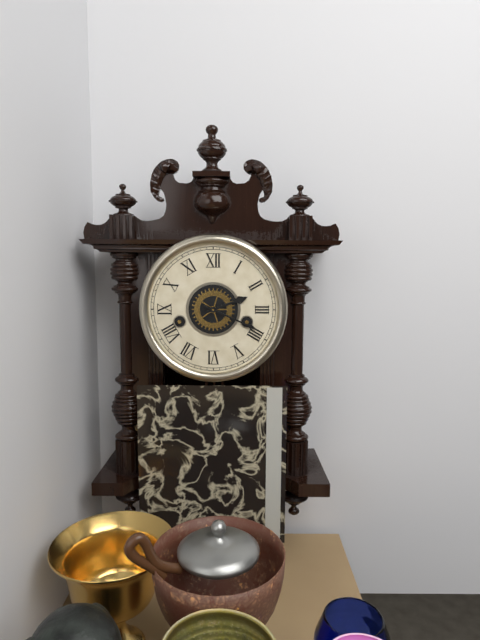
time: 2:19
